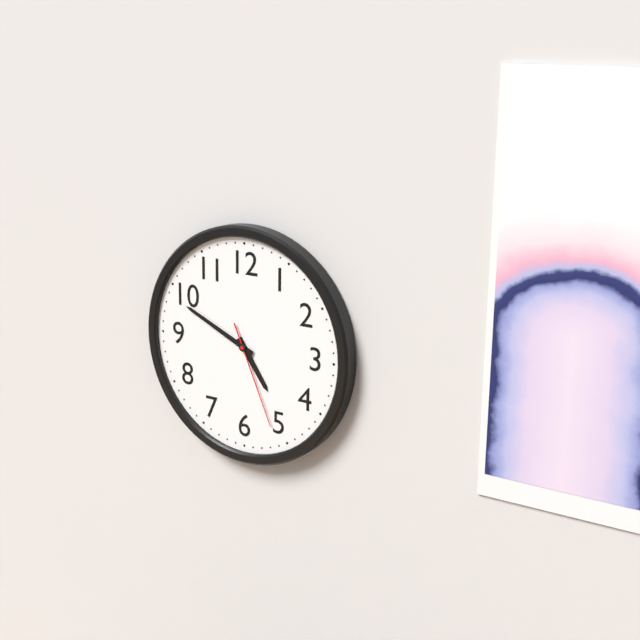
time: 4:49:26
